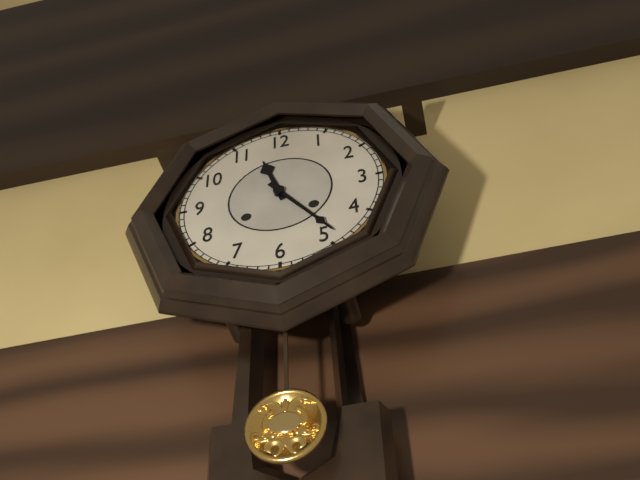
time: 11:24
